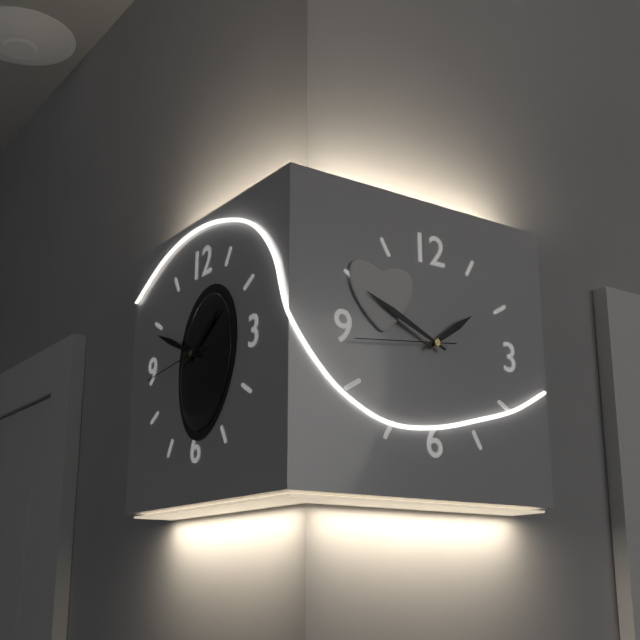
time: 1:49:44
